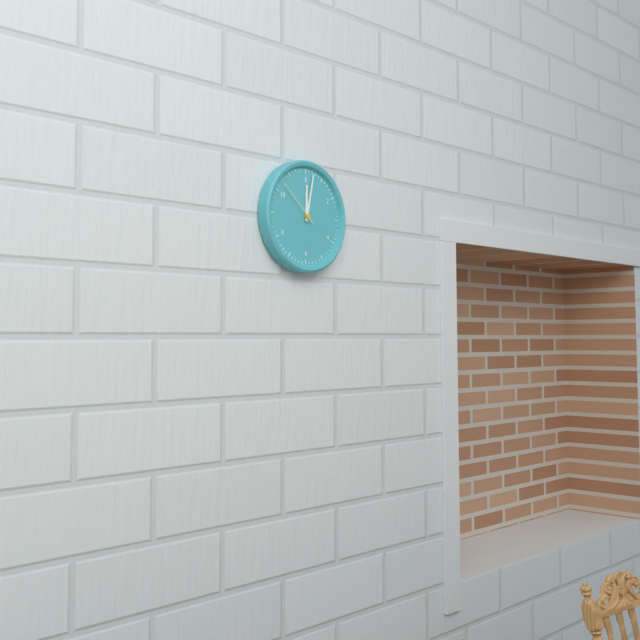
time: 12:02
